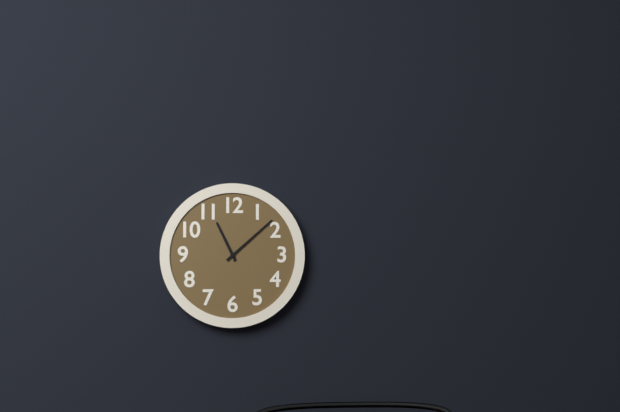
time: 11:08
